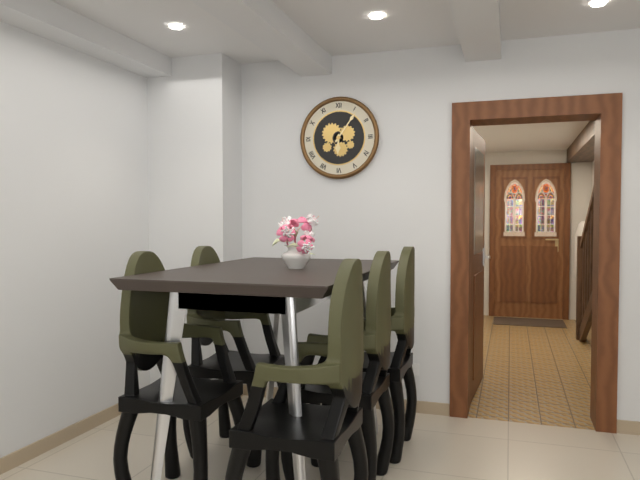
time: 6:06
